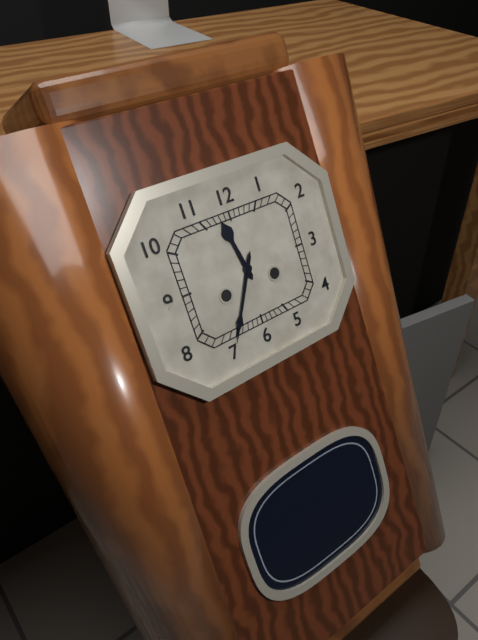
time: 11:35
